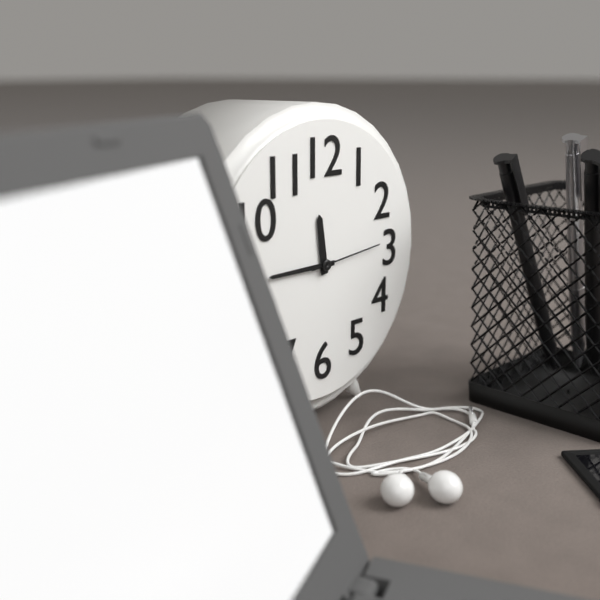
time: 11:45:14
